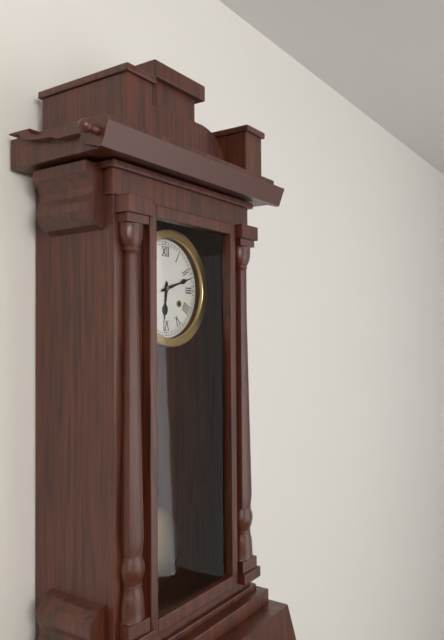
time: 6:12
